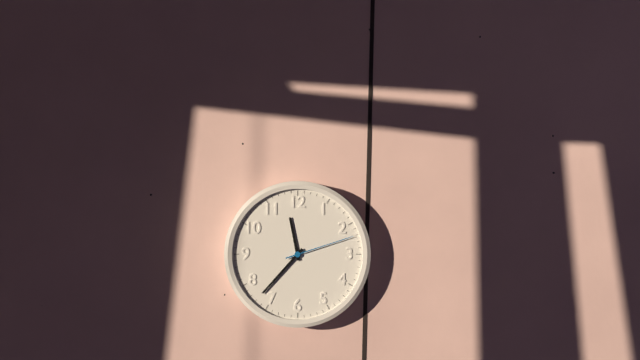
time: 11:37:12
